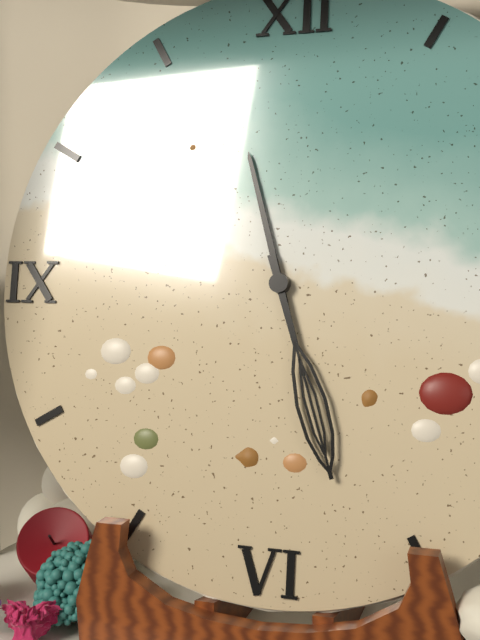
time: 11:27
